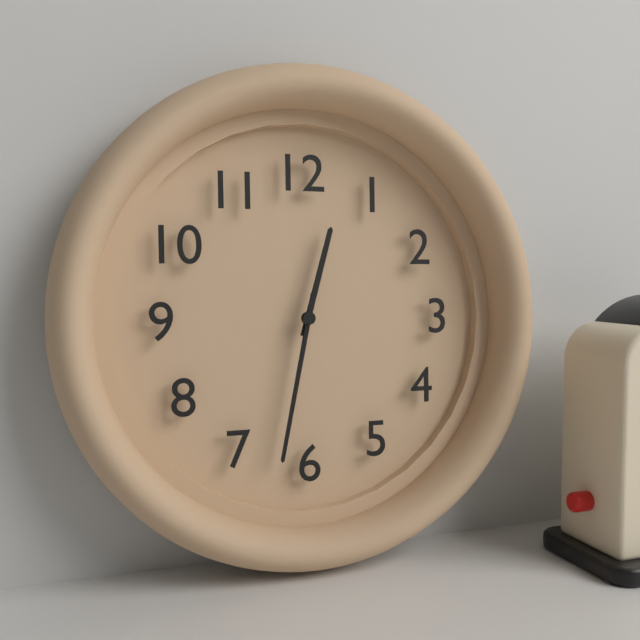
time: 12:32
